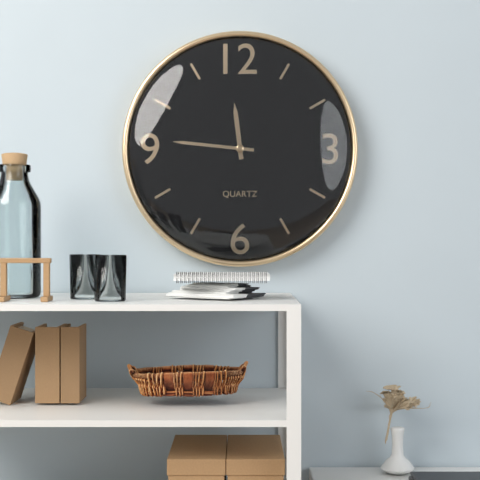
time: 11:46
